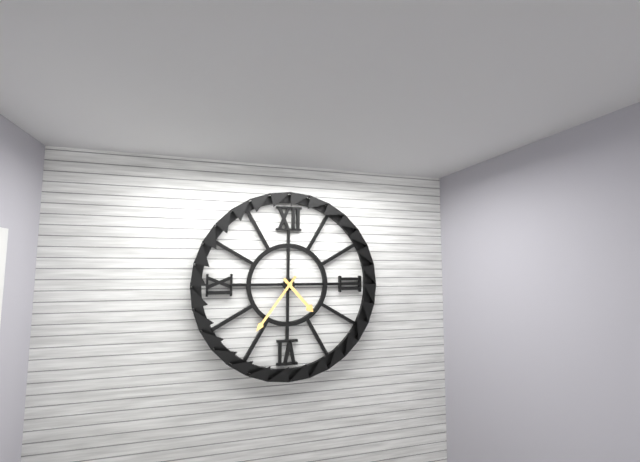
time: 4:36
